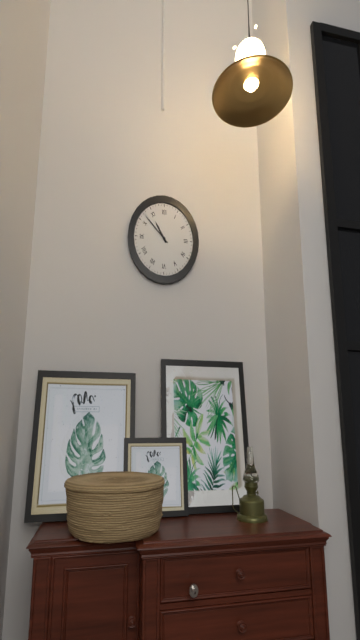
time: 10:52
